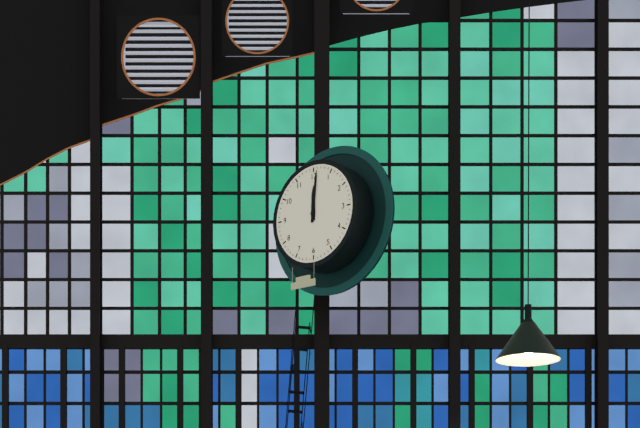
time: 12:01
